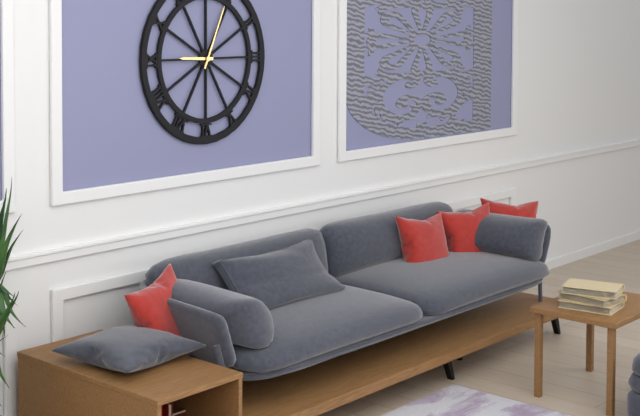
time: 9:04
